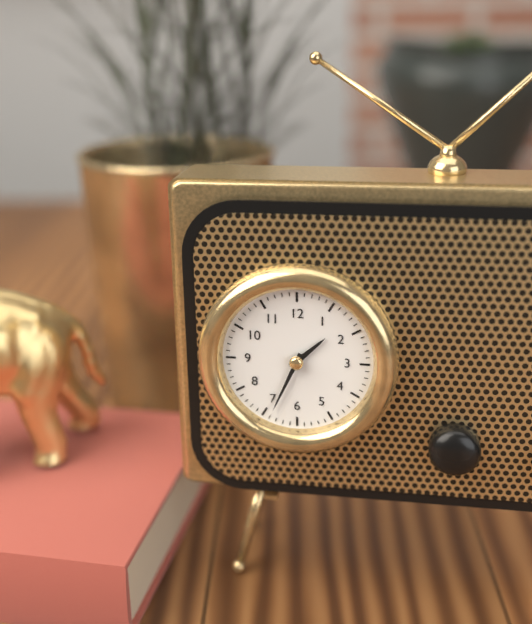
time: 1:34
